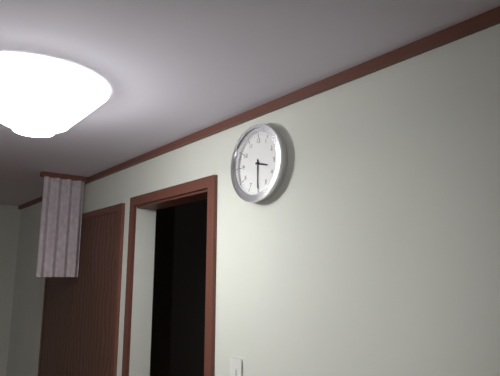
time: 3:30
